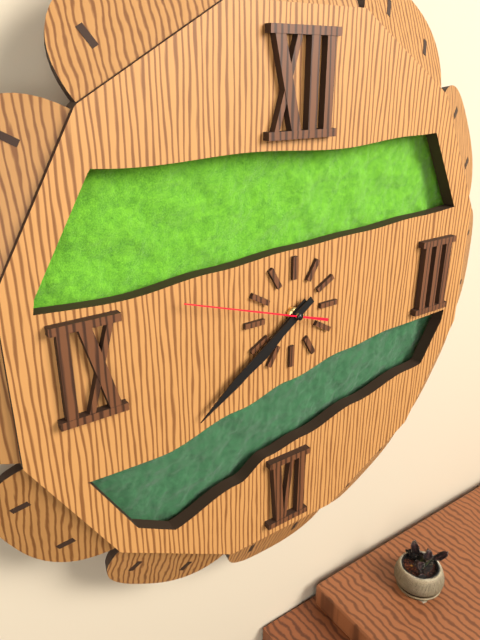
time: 7:39:48
